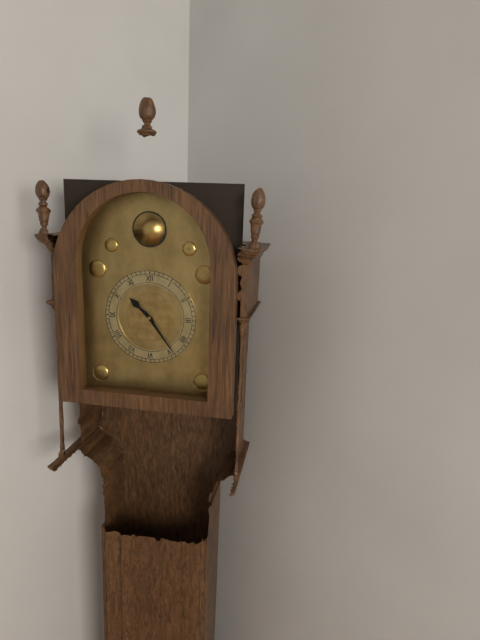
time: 10:24
